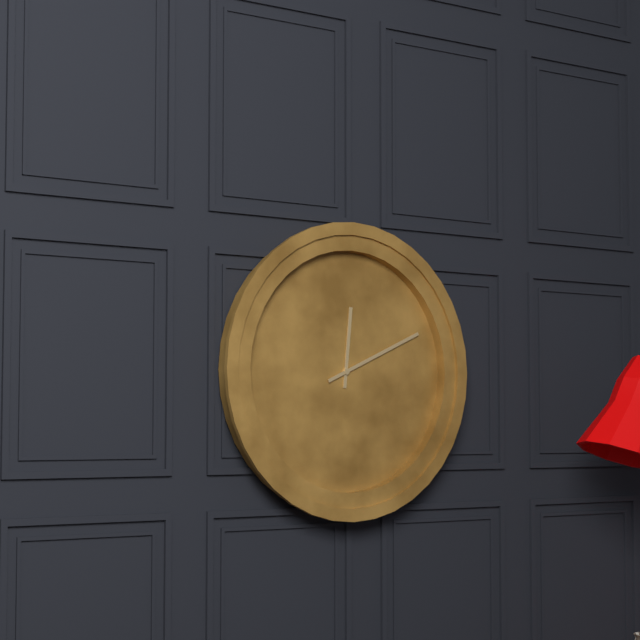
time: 12:11
